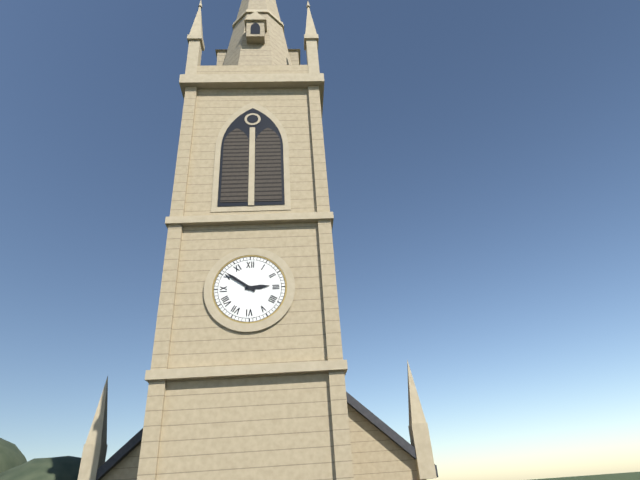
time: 2:51
